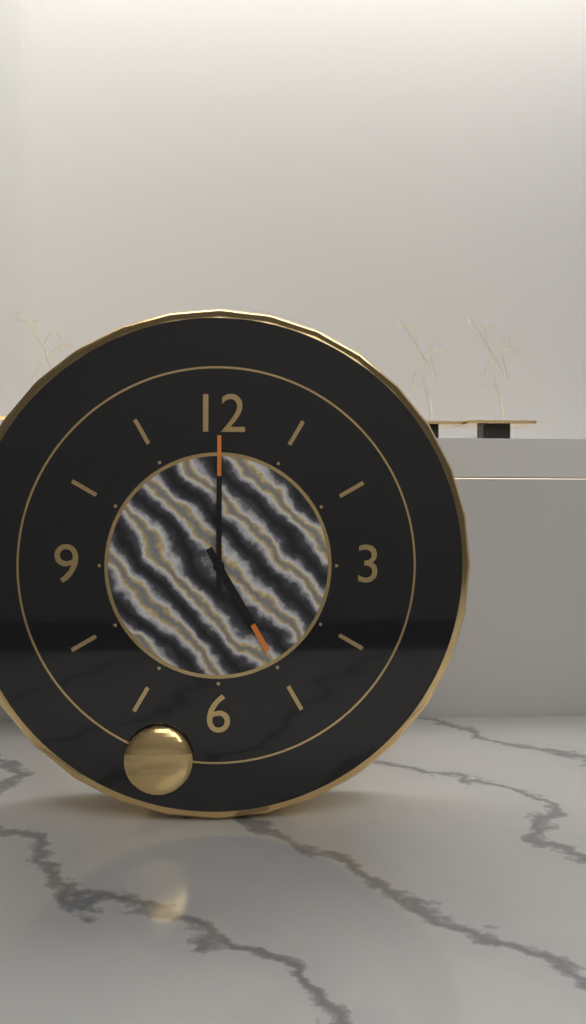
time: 5:00
